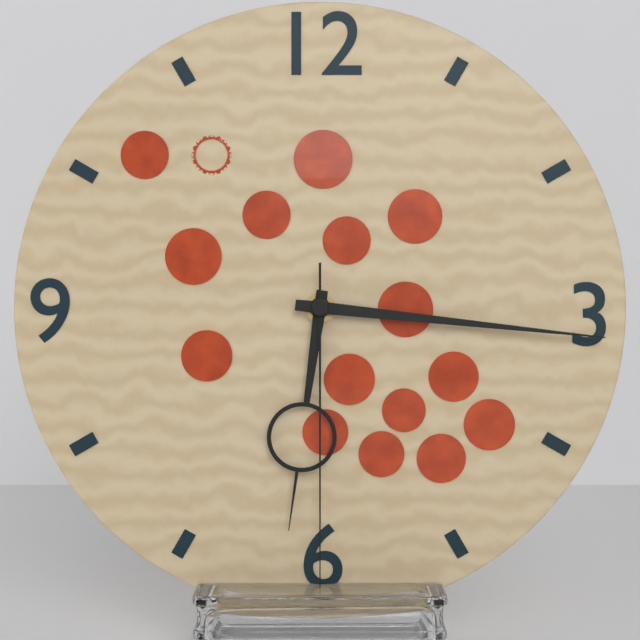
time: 6:16:30
